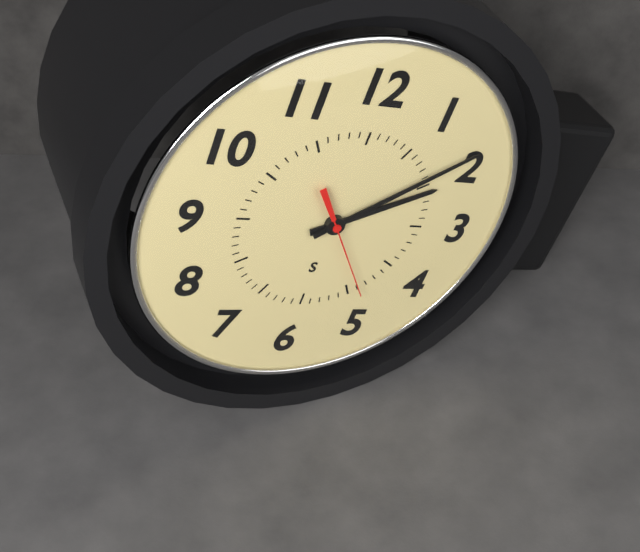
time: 2:09:24
